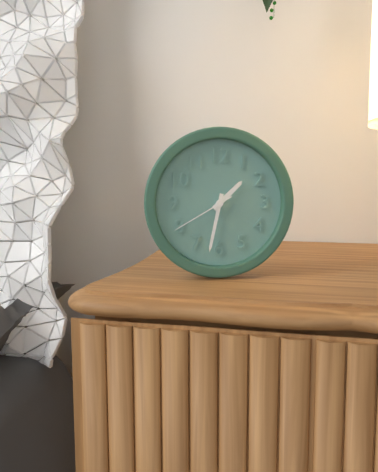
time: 1:32:40
